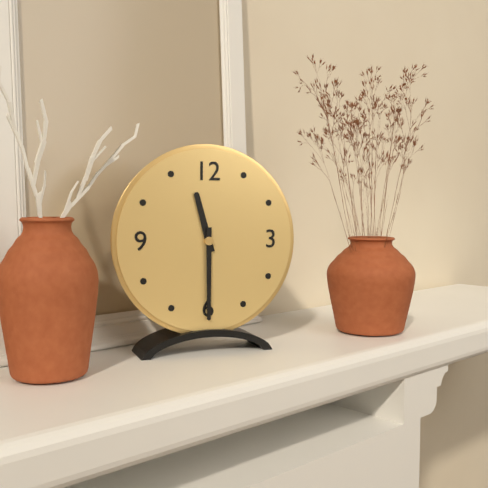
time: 11:30
